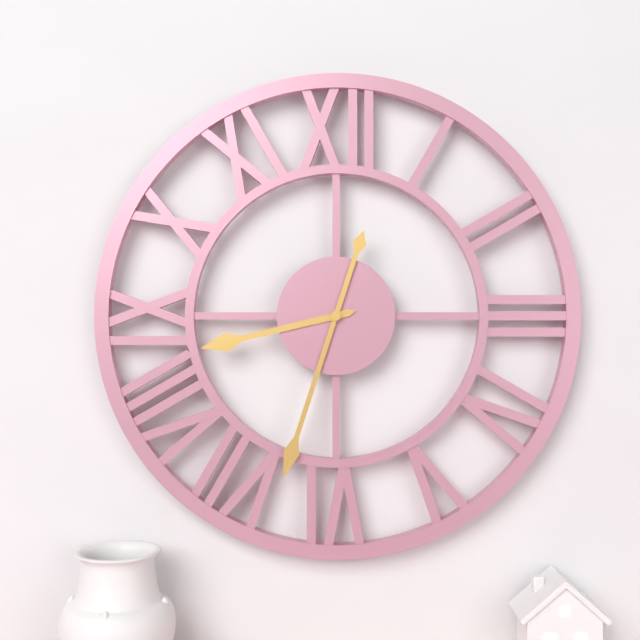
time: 8:33
